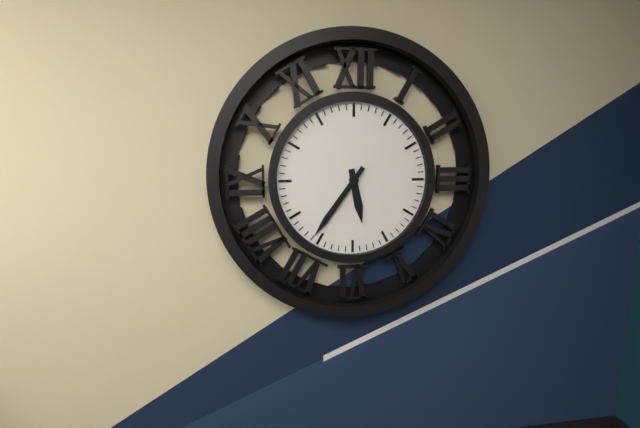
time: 5:36
